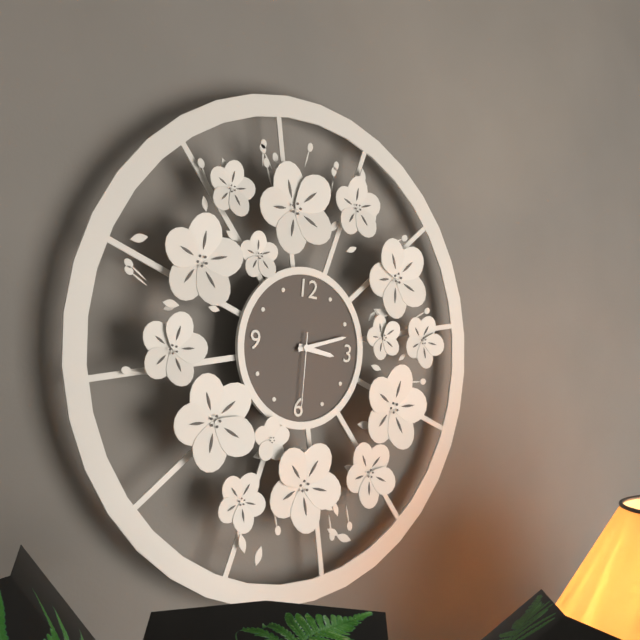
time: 3:12:30
